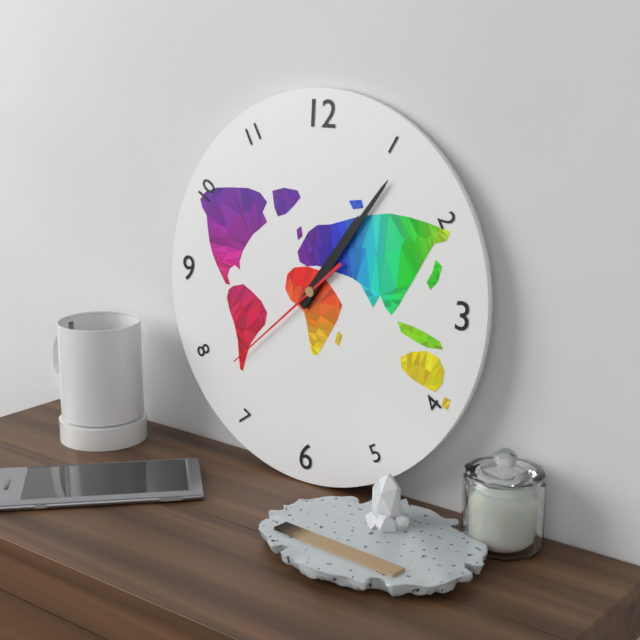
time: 1:06:38
